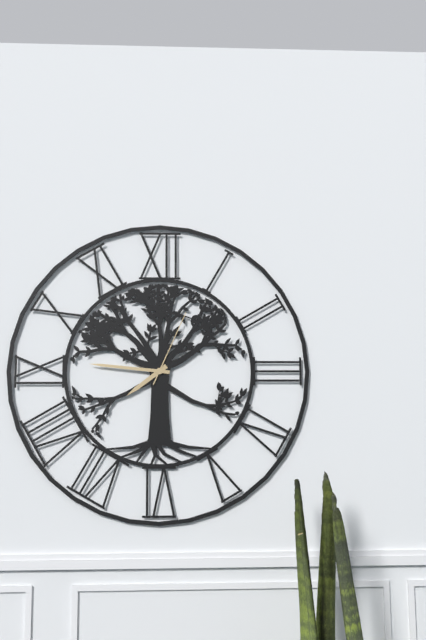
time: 7:46:04
